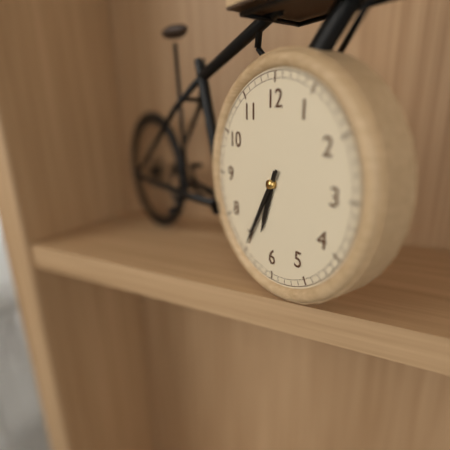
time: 6:35
